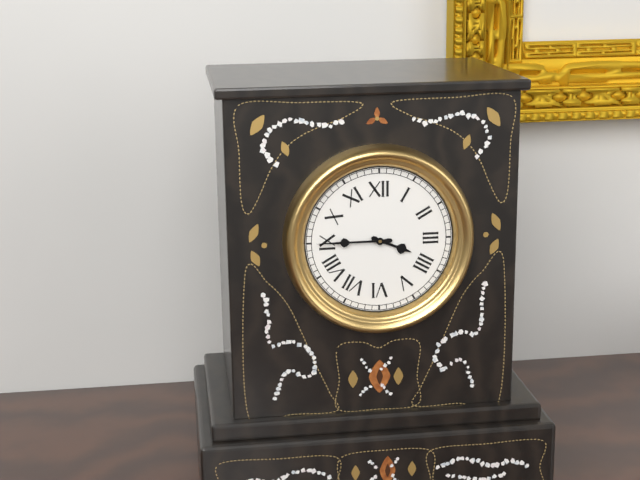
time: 3:45
